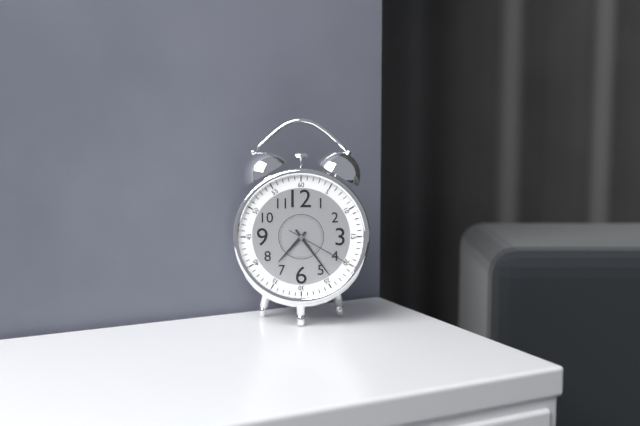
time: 7:24:20
